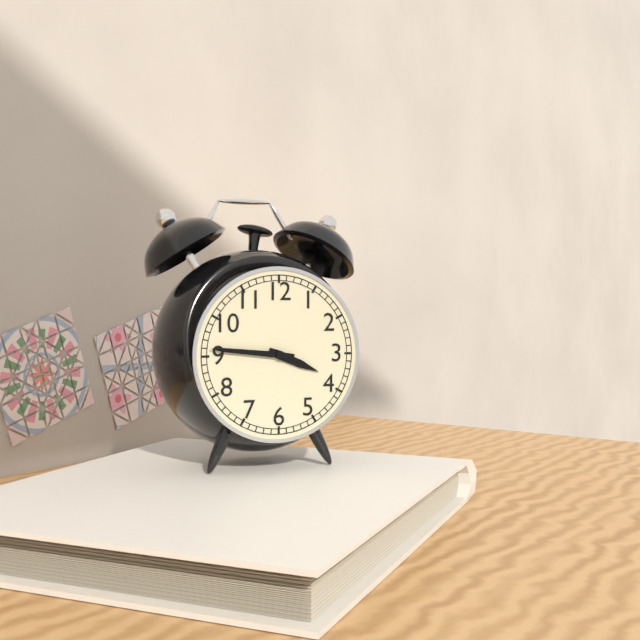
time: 3:46
